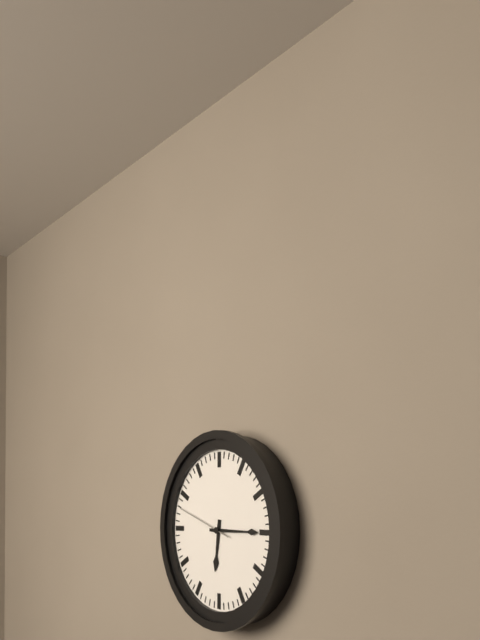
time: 6:15:48
